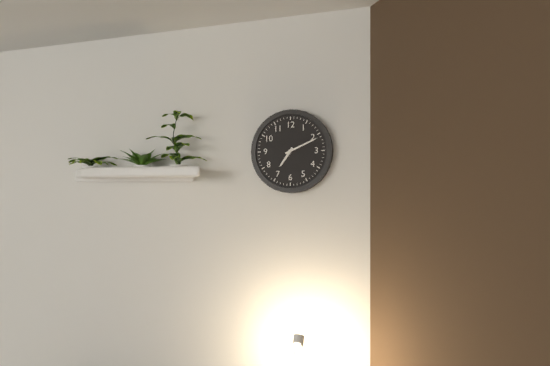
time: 7:11
